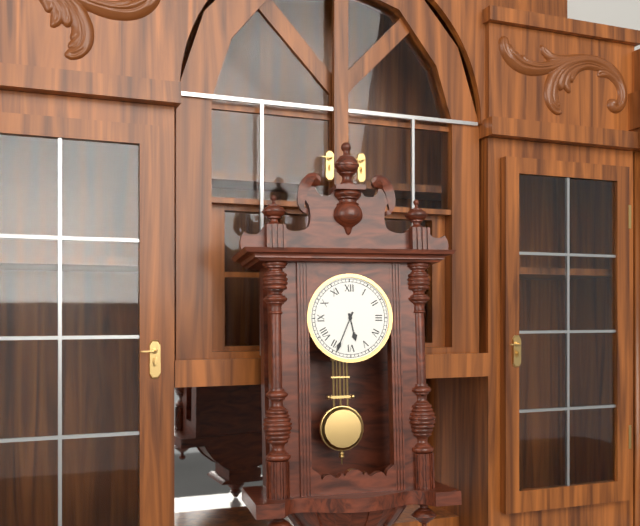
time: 5:34
